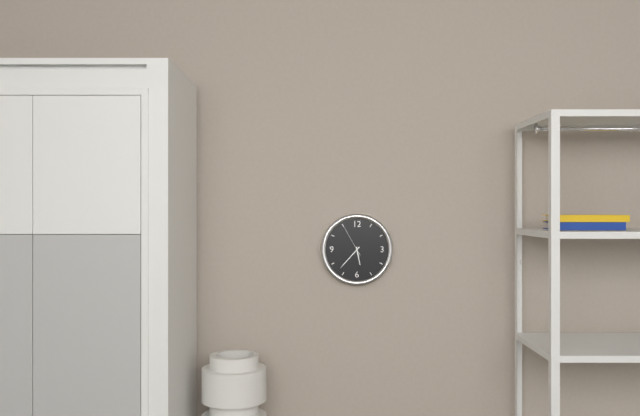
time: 5:37
